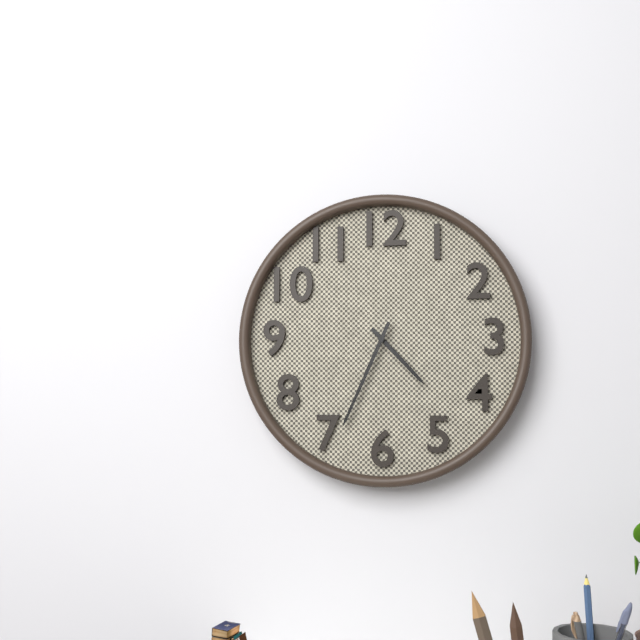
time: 4:34
